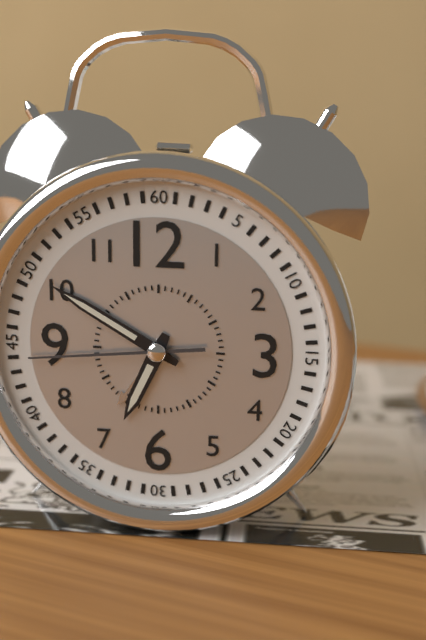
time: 6:50:44
